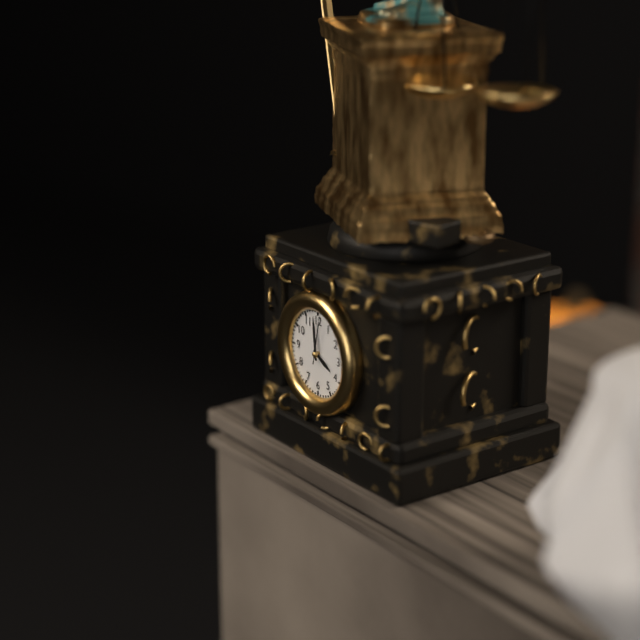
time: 3:59
